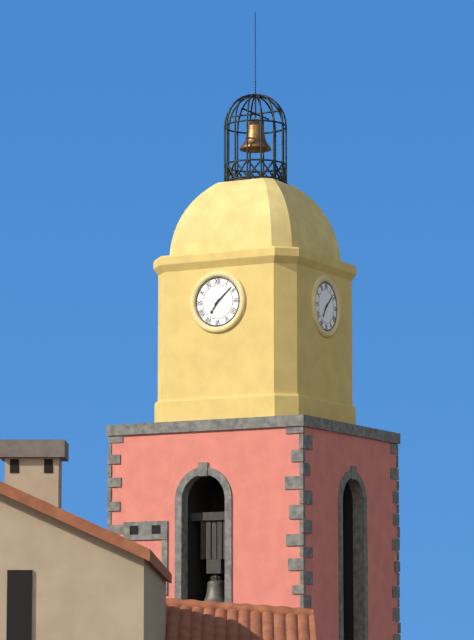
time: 7:08
